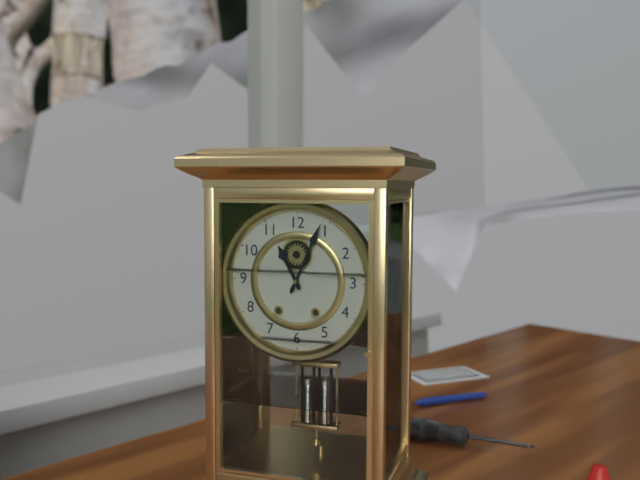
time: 11:04
